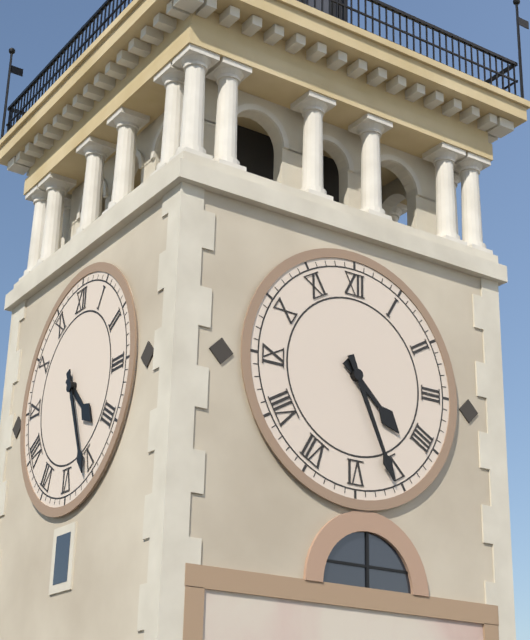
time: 4:26
